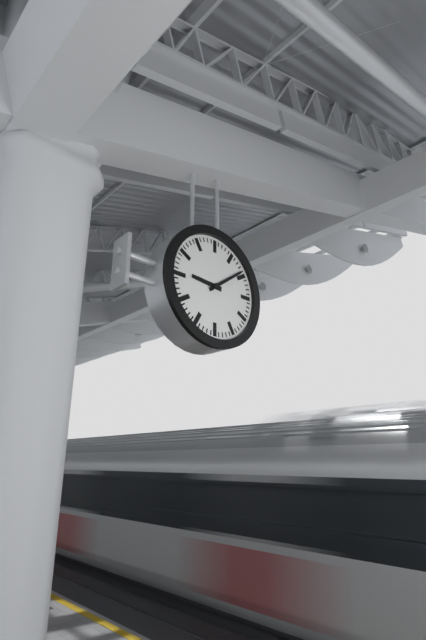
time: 9:09
